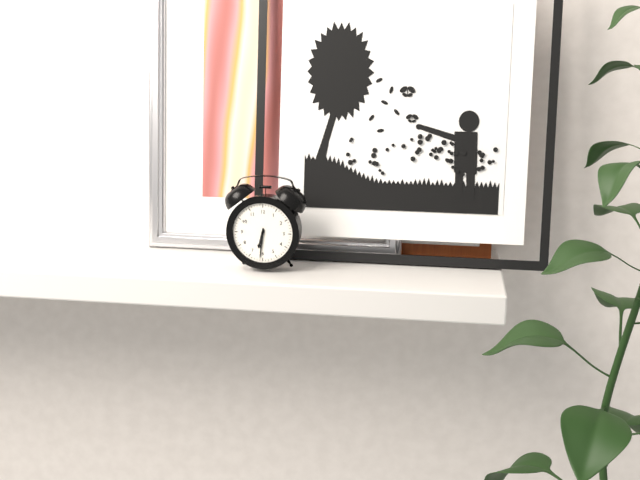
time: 6:31
